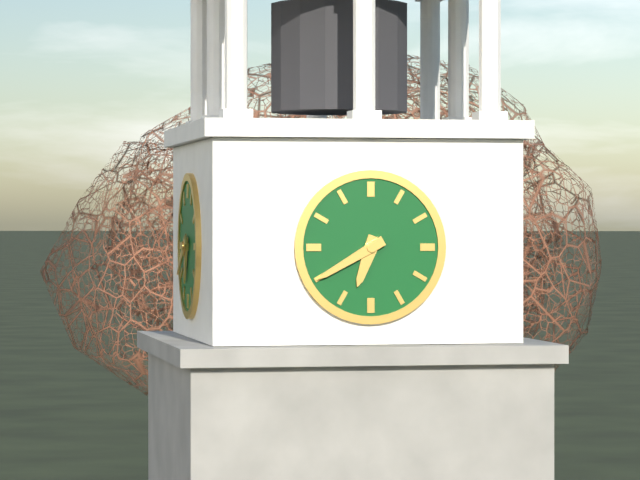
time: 6:40
